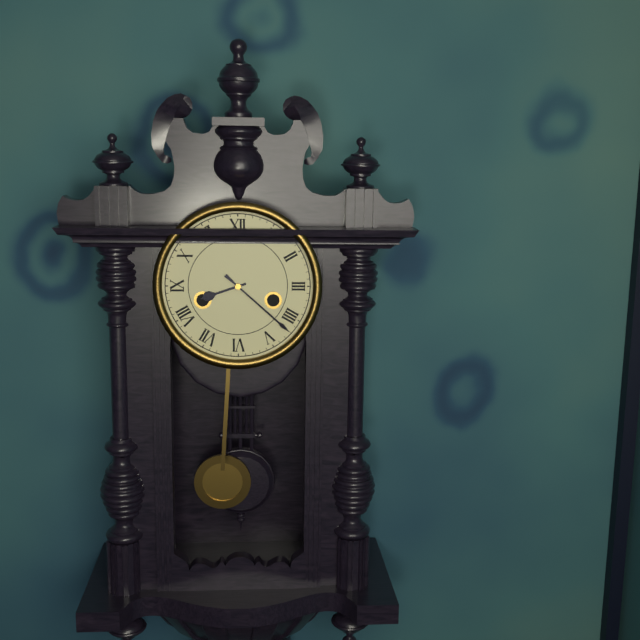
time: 8:22
